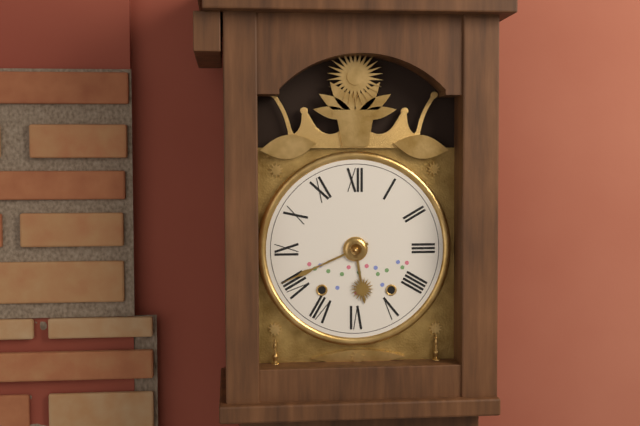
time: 5:41
